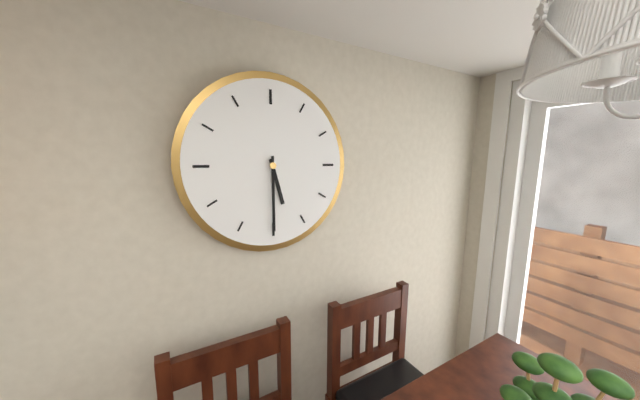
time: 5:30
